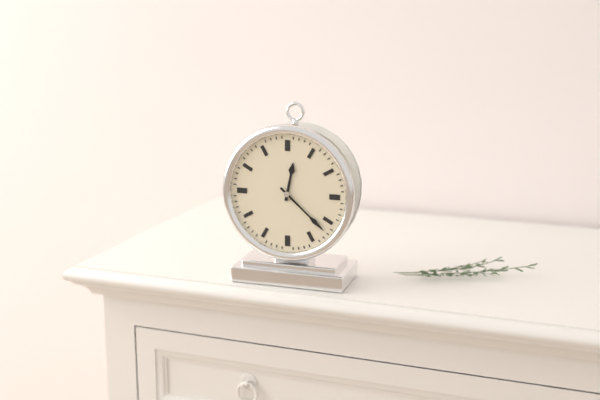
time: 12:22
